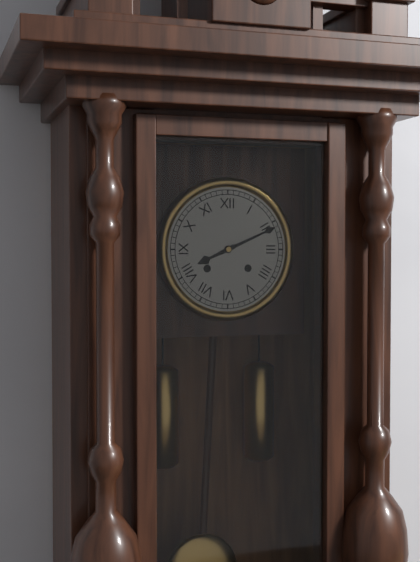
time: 8:11
